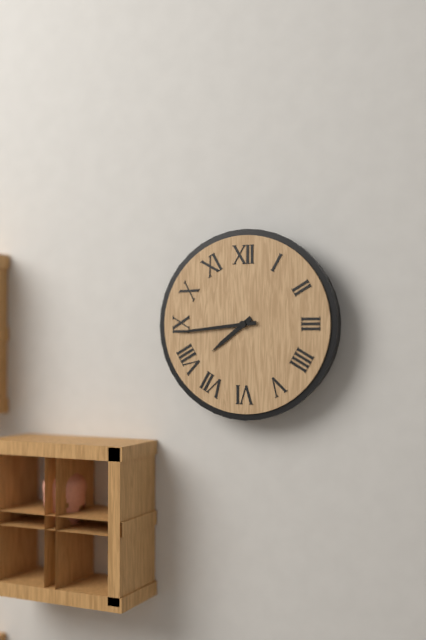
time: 7:44
